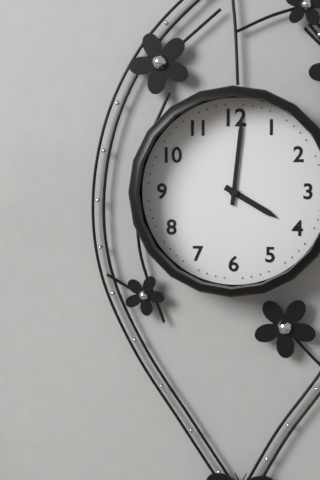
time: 4:01
